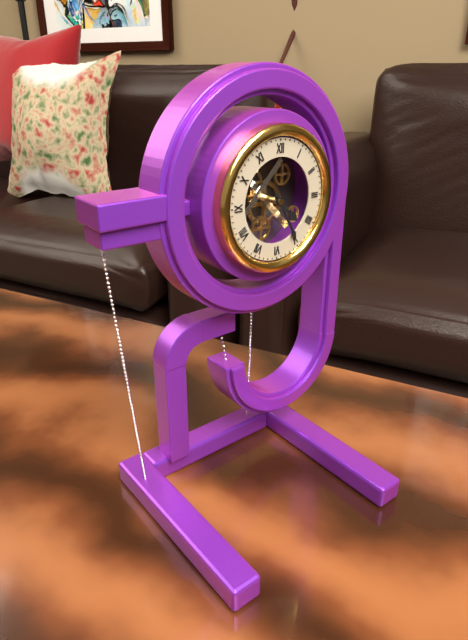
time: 4:25
